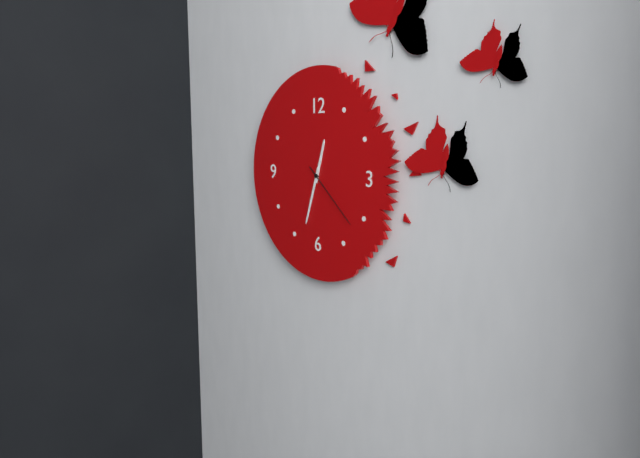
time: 12:33:22
